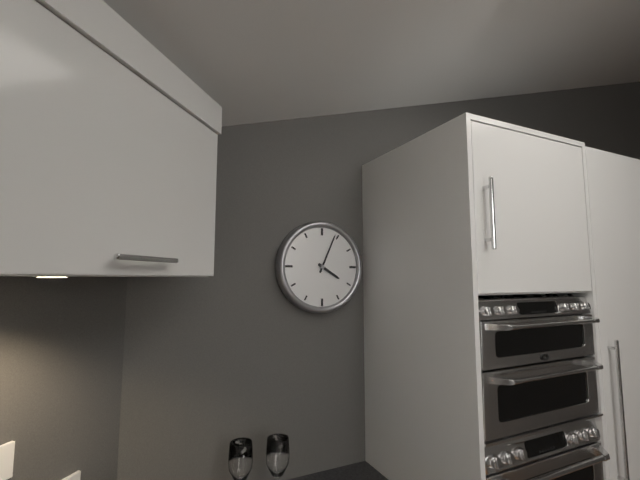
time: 4:04
